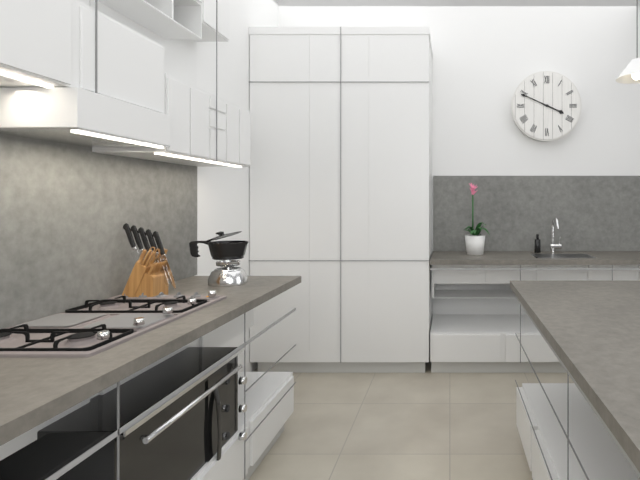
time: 3:49
